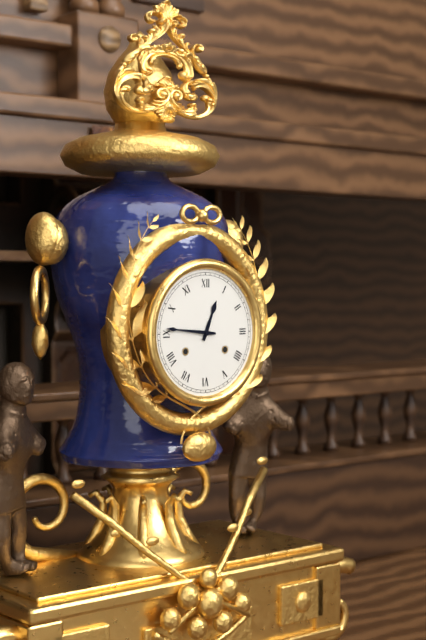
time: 12:46
